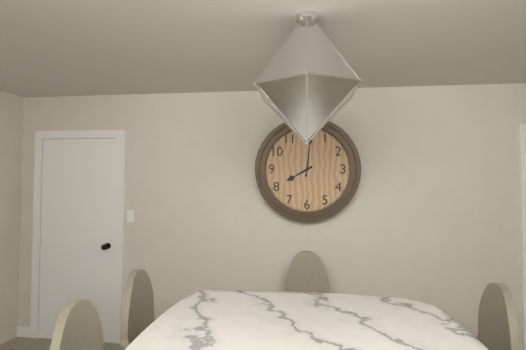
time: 8:01
